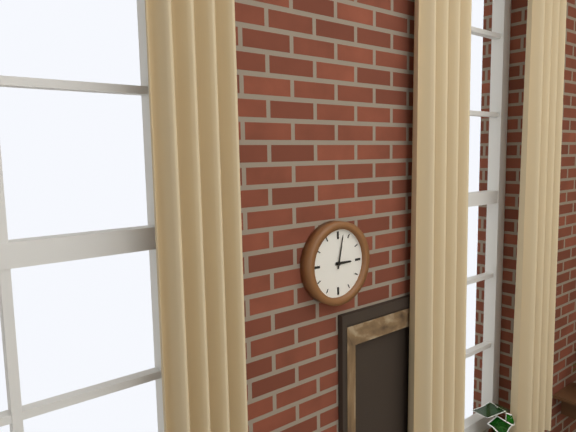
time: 3:02
